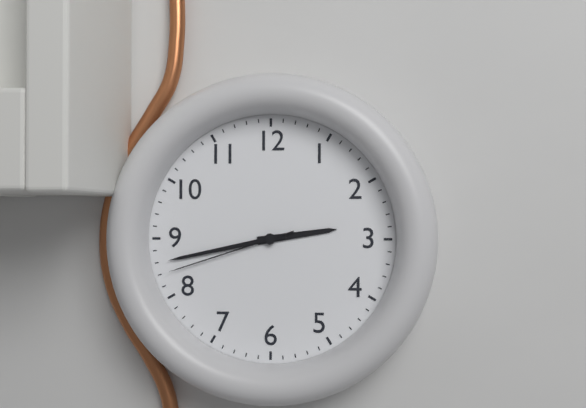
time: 2:43:42
